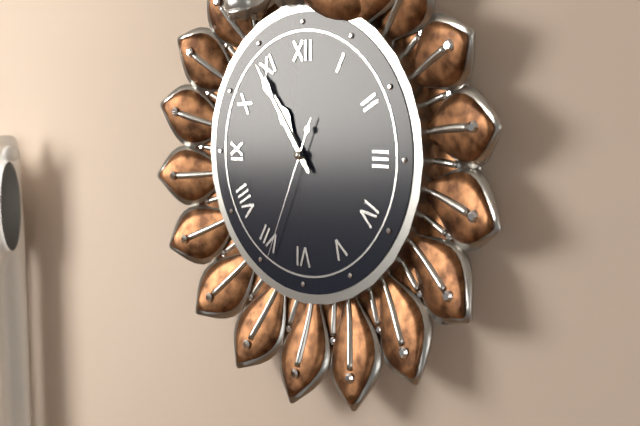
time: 10:54:34
